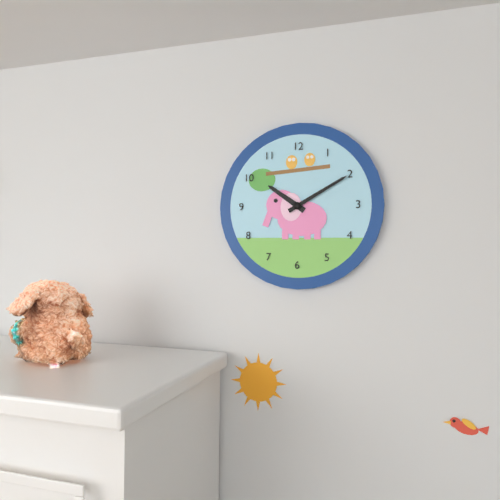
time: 10:10
